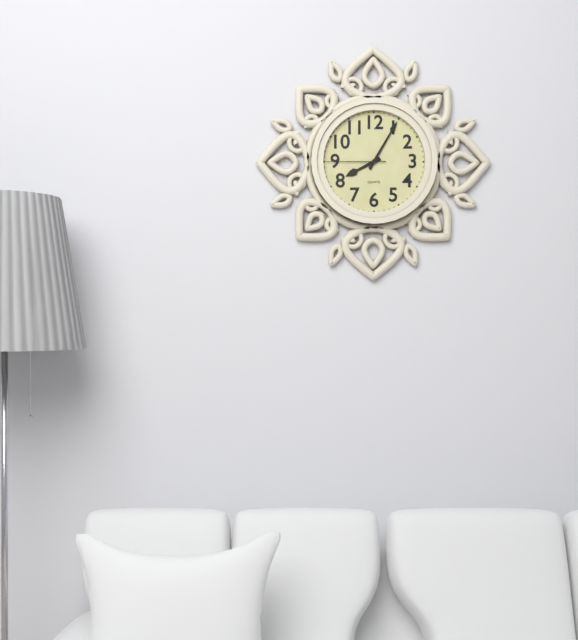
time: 8:05:45
